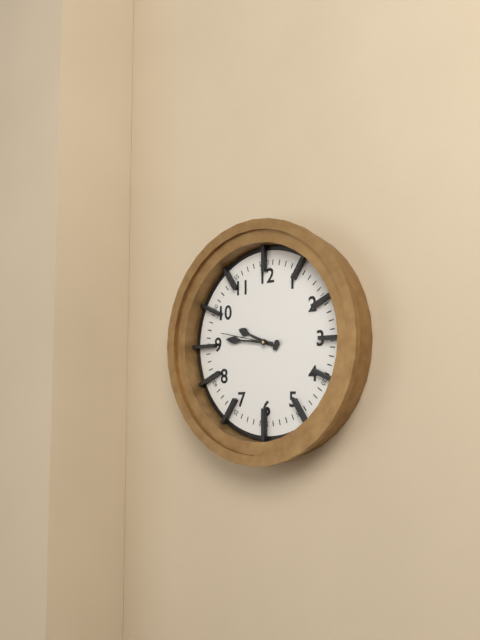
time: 9:46:47
